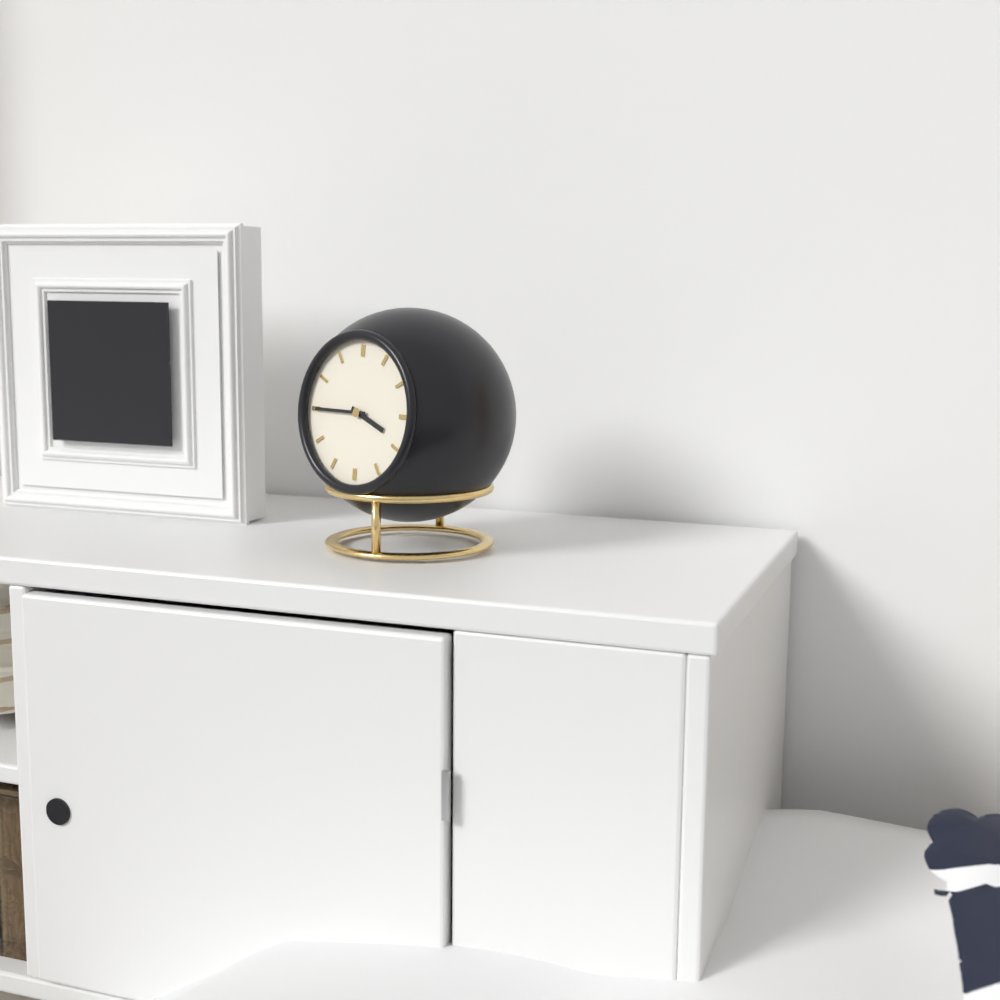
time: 3:45
